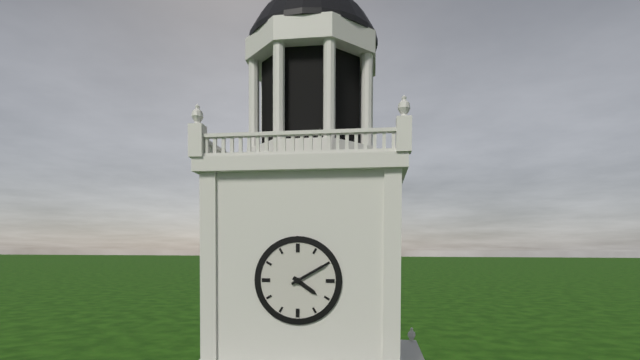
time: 4:10
